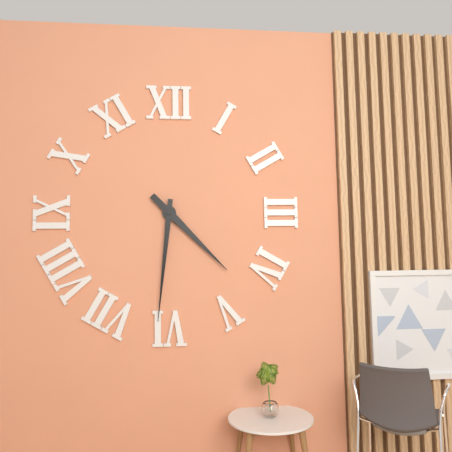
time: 4:31
